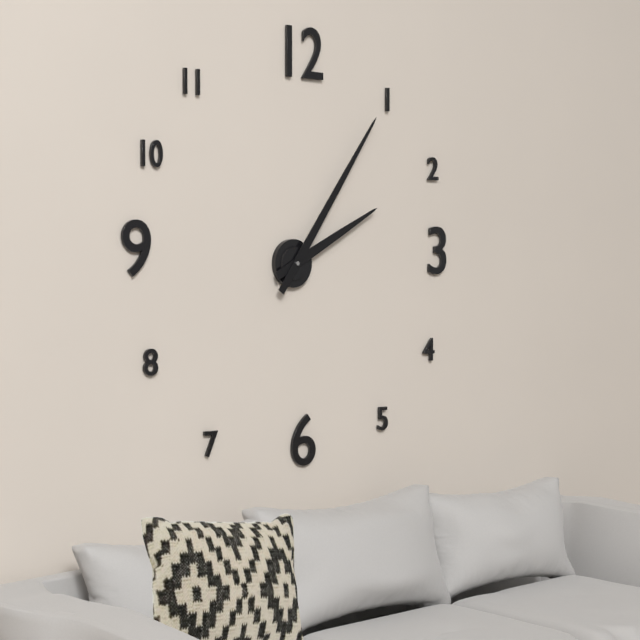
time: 2:06
